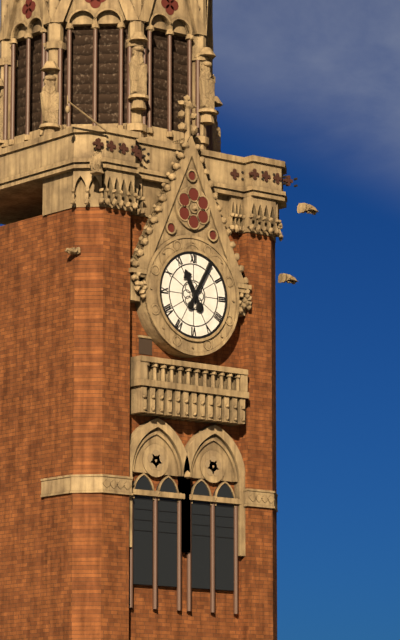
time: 11:05
